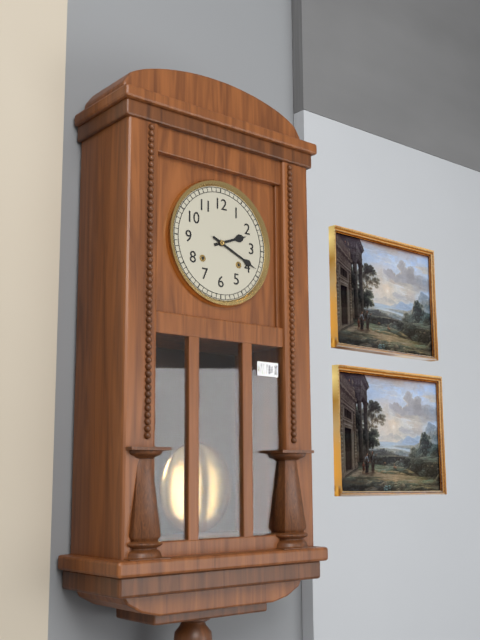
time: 2:19
